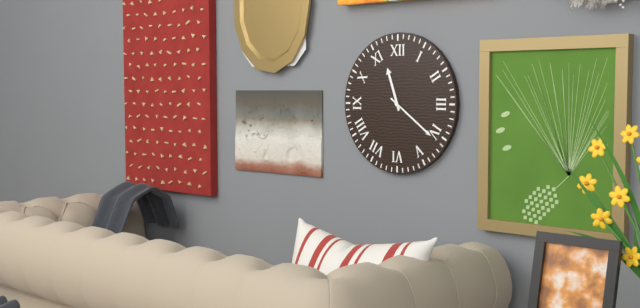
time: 11:21
